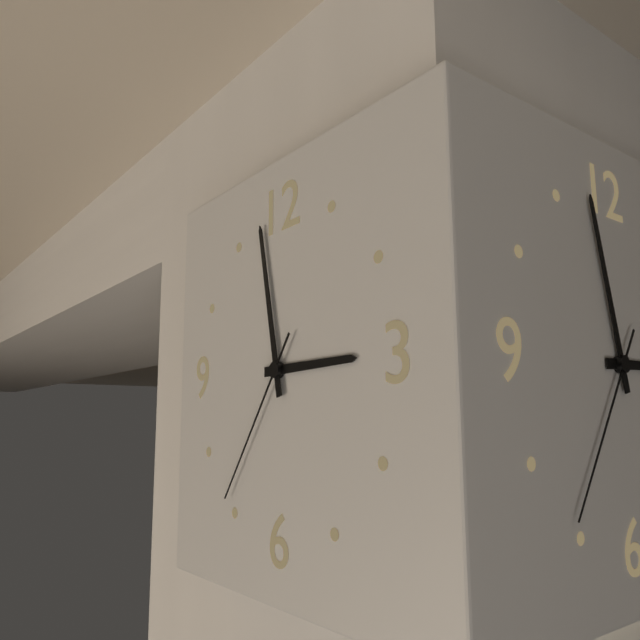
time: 2:58:36
